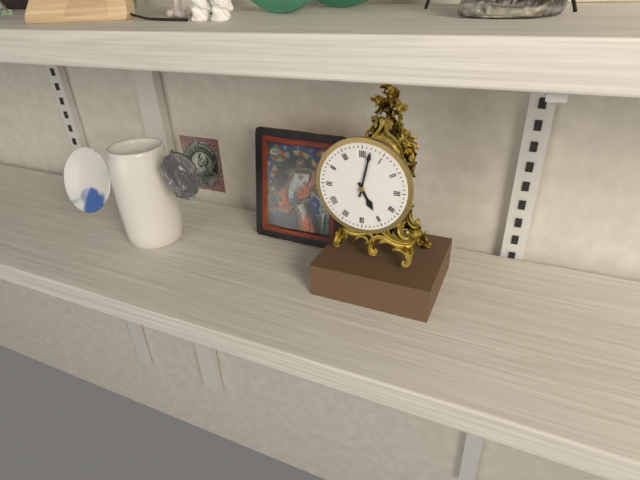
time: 5:02
